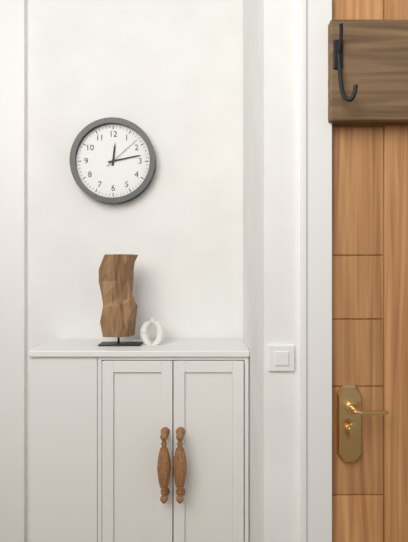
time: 12:13
